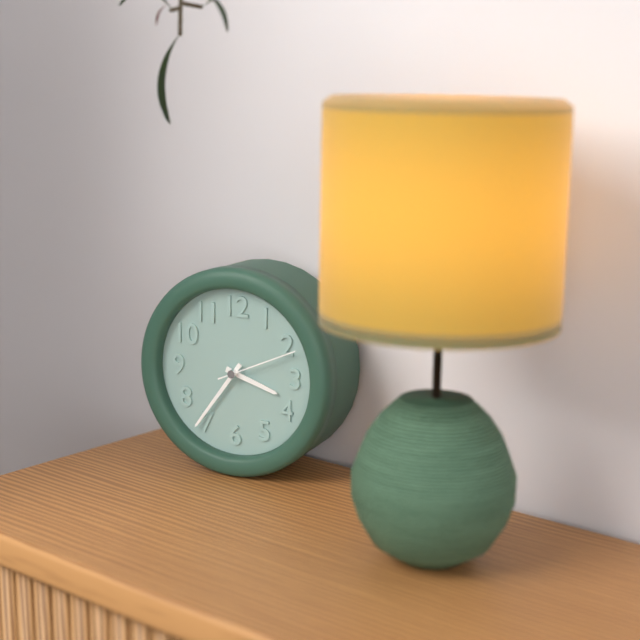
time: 3:36:11
